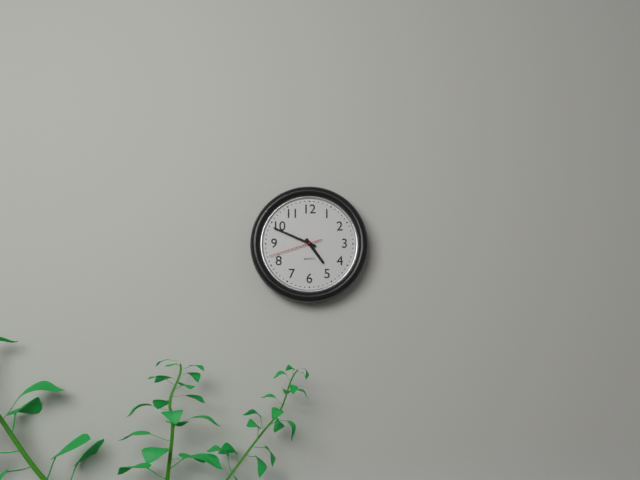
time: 4:49:42
